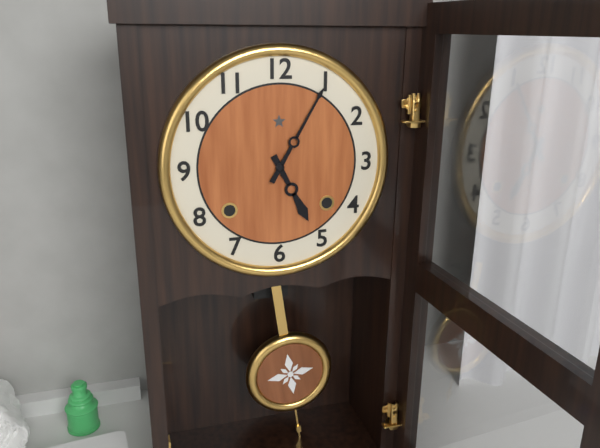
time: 5:05
